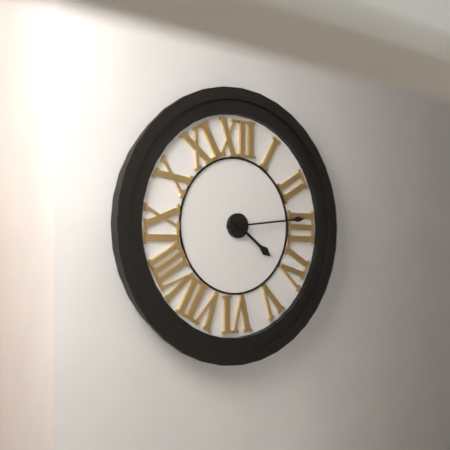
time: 4:14
